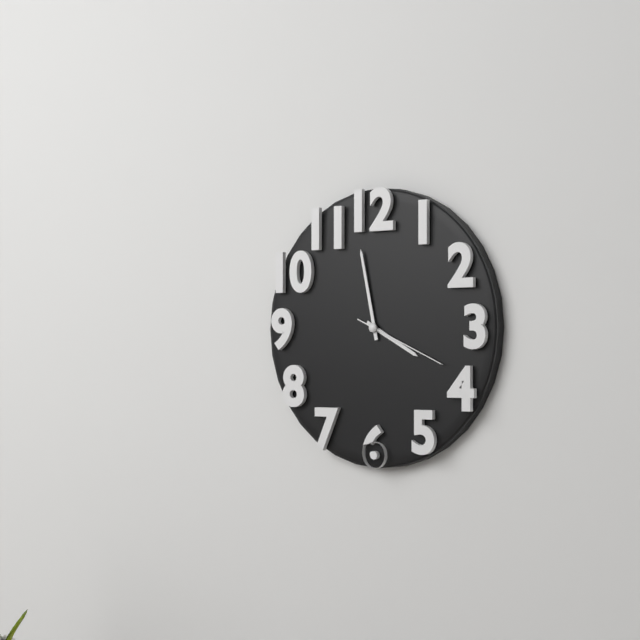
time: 3:58:19
